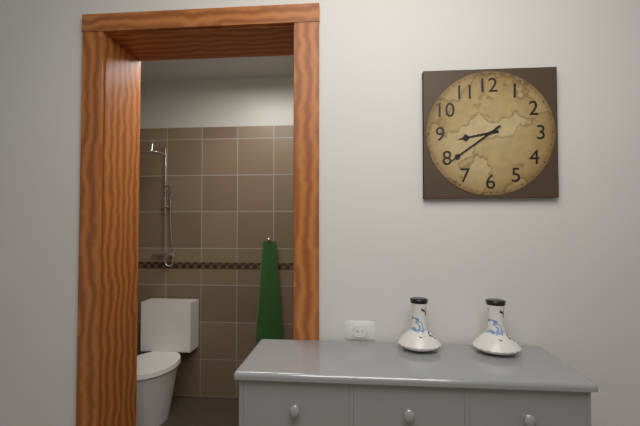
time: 8:39
